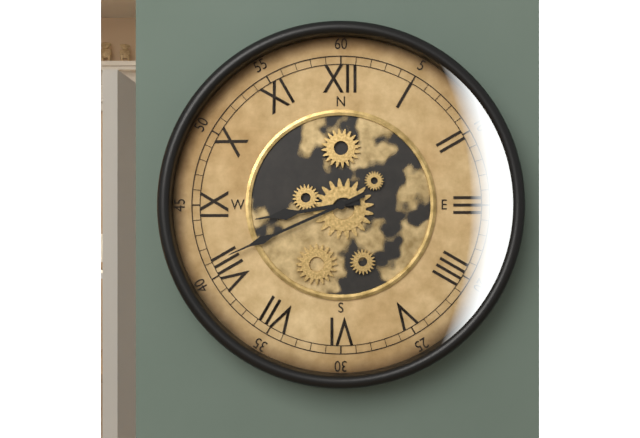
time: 8:41
